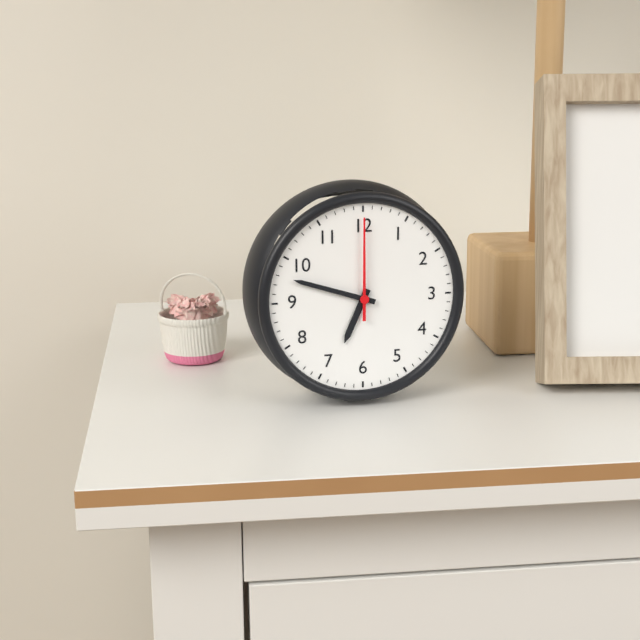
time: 6:48:00
